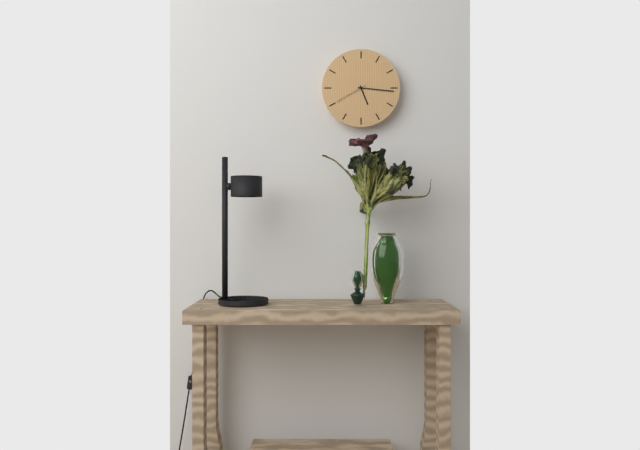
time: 5:16
